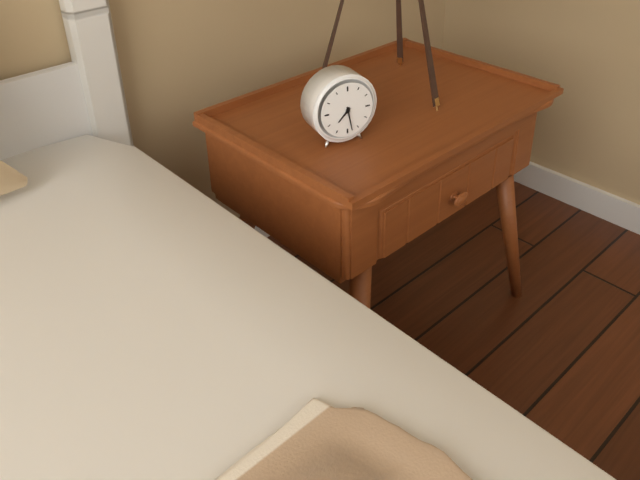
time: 7:28
